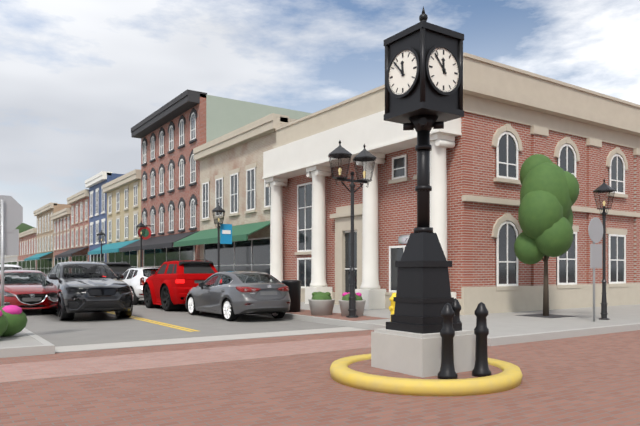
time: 11:53
